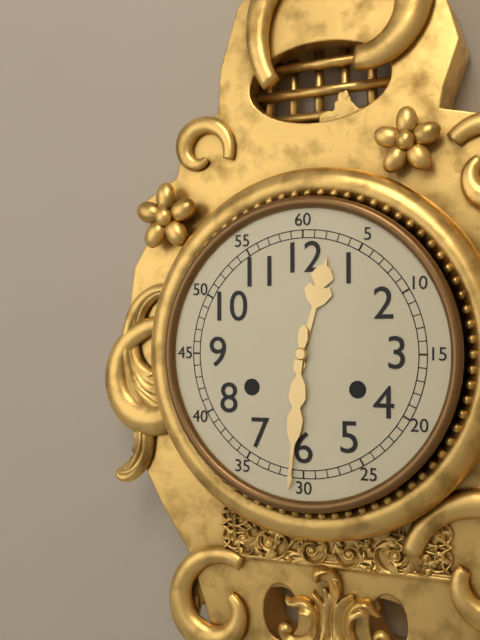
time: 12:31
